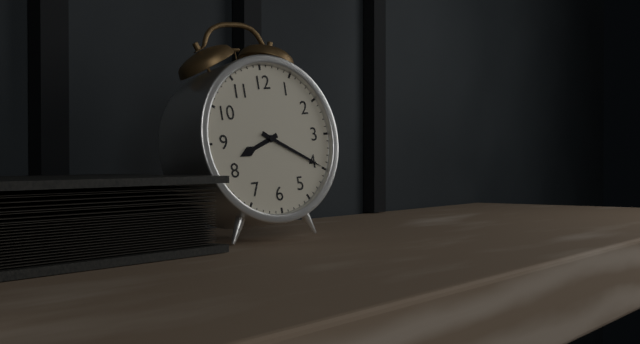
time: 8:20
